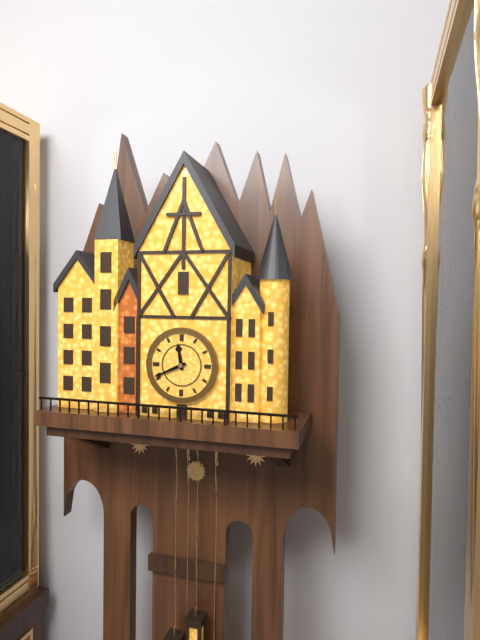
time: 11:41
